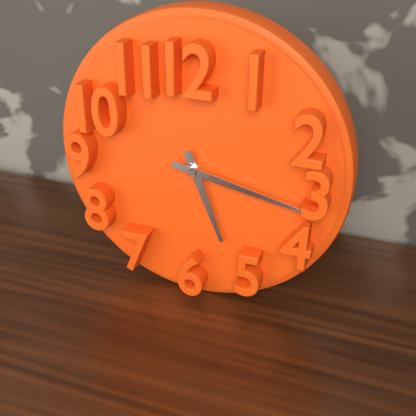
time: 5:17
